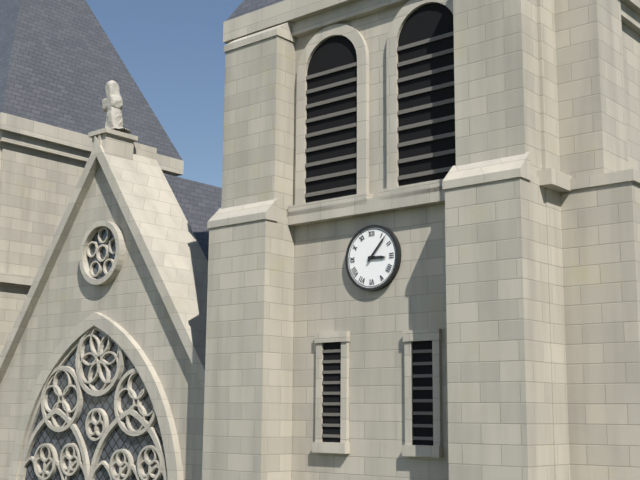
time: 3:07
